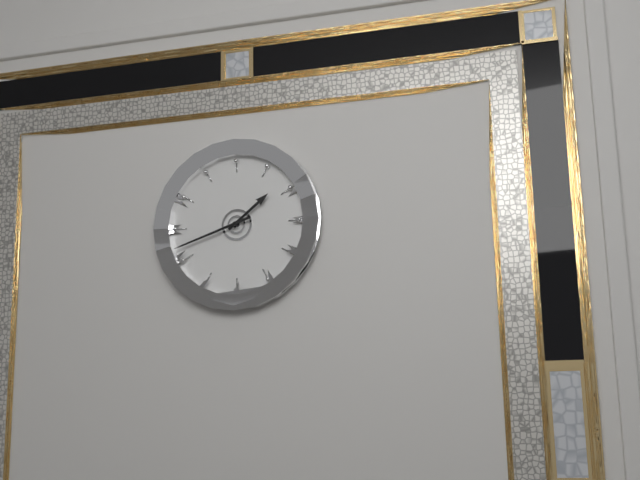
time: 1:42
